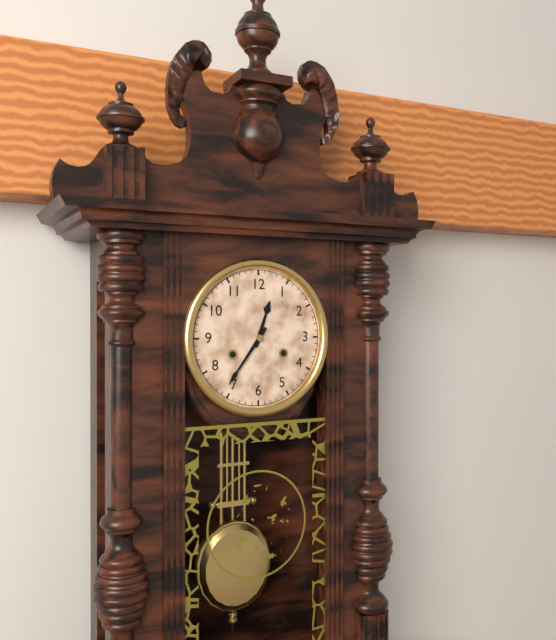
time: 12:36
